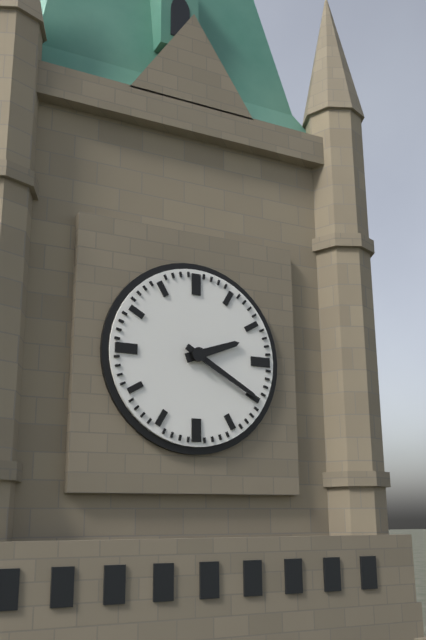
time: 2:20
